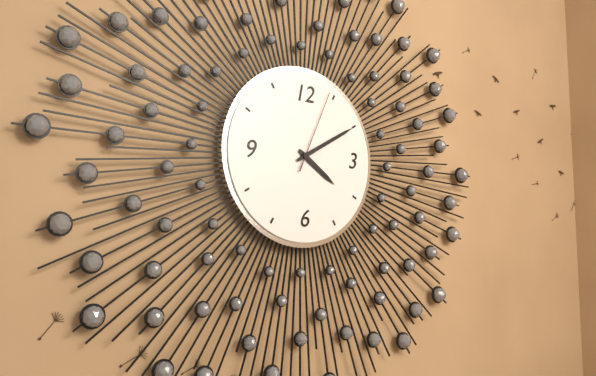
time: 4:10:04
